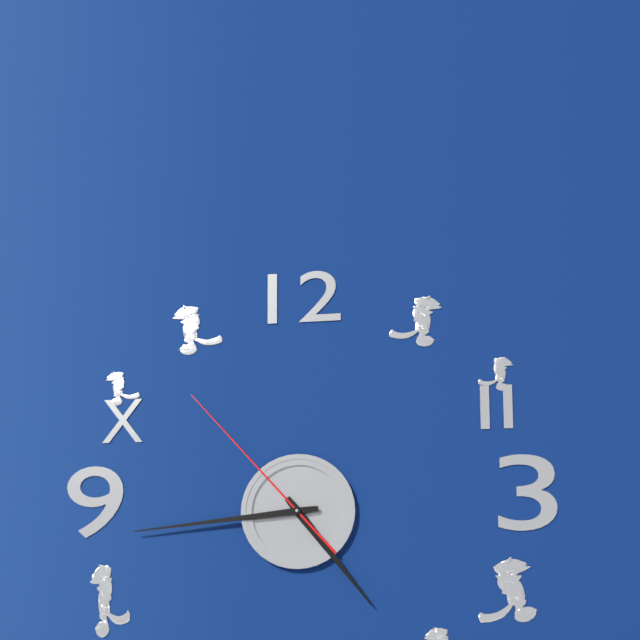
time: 4:44:53
